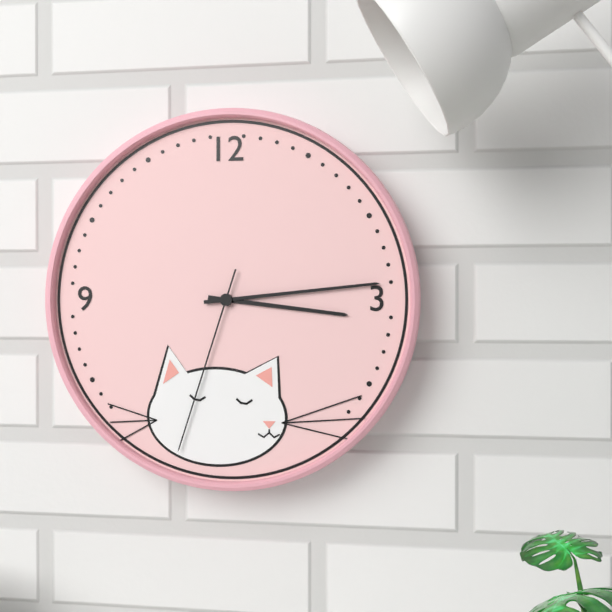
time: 3:14:33
